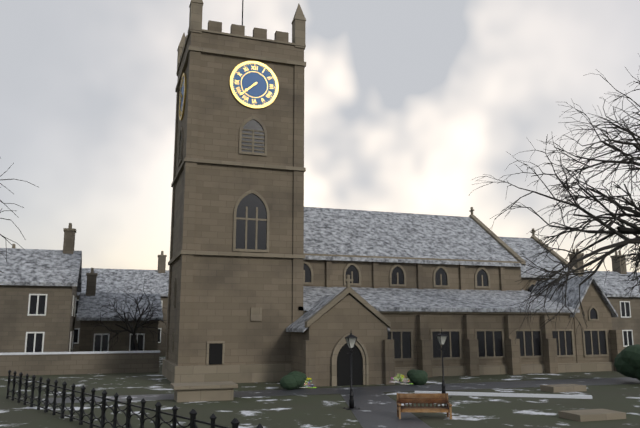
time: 7:38
